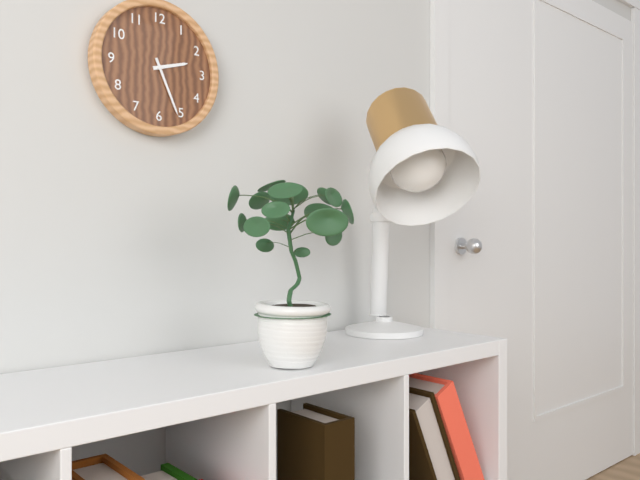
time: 2:26
